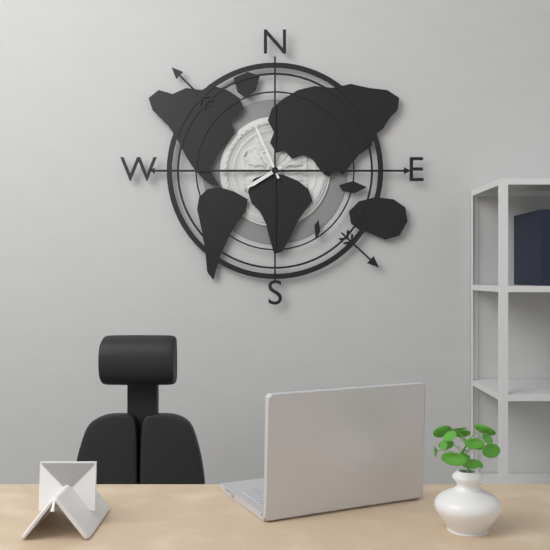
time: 7:56
